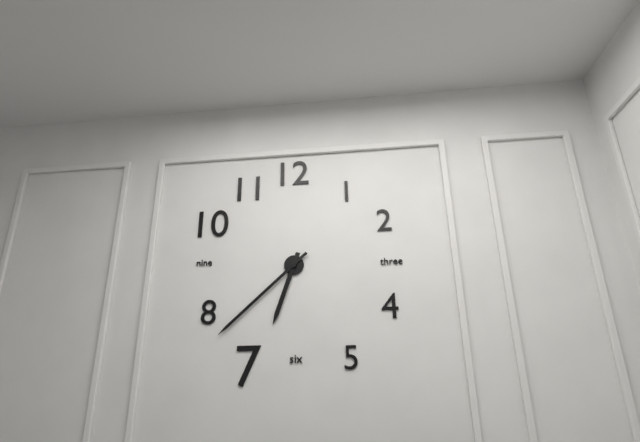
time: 6:38
